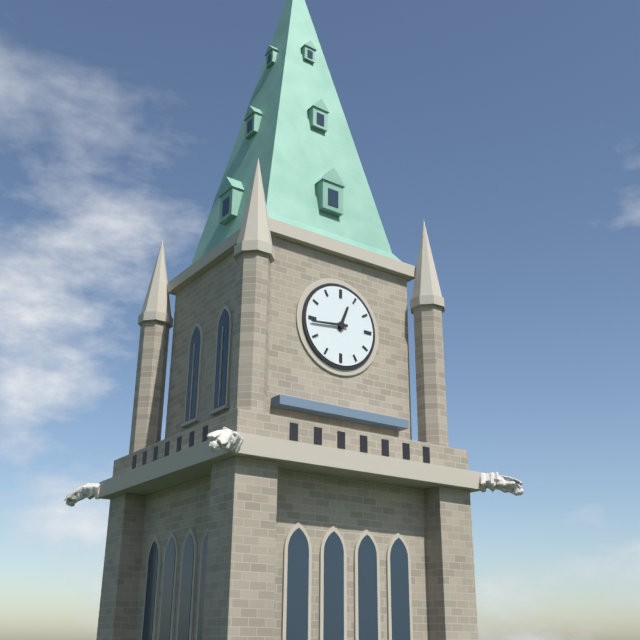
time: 12:44
